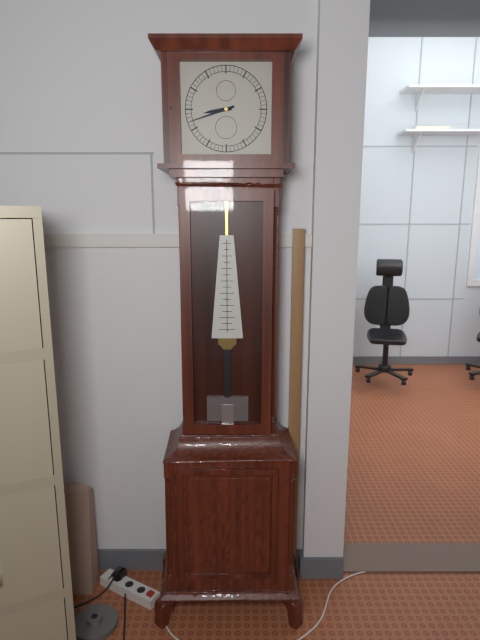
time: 8:42
